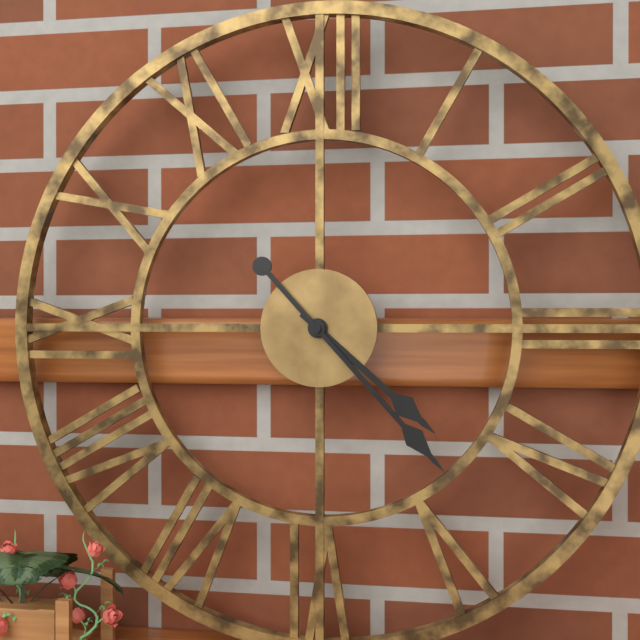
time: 4:23
